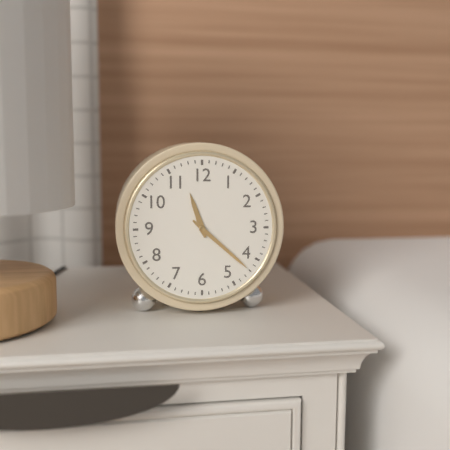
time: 11:22
